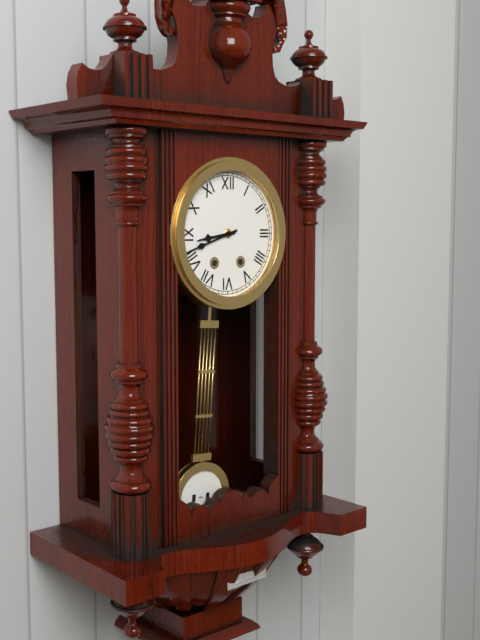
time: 8:42
